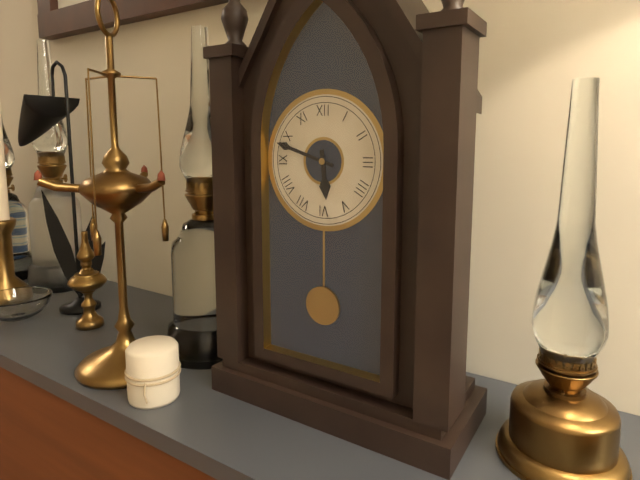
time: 5:48
